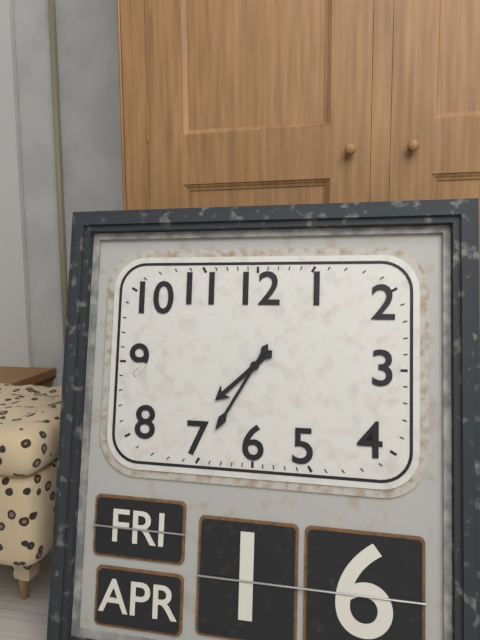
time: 7:35
